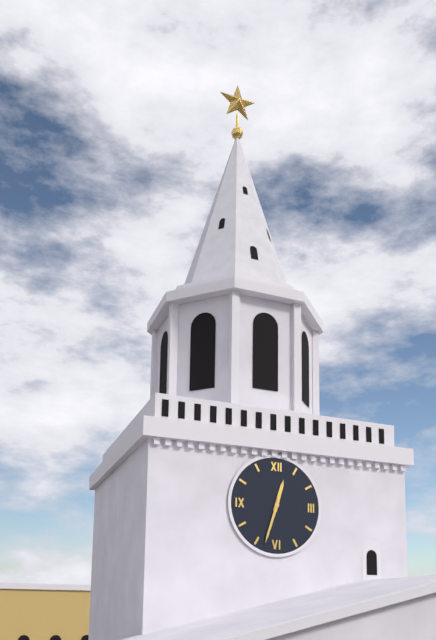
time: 12:33
